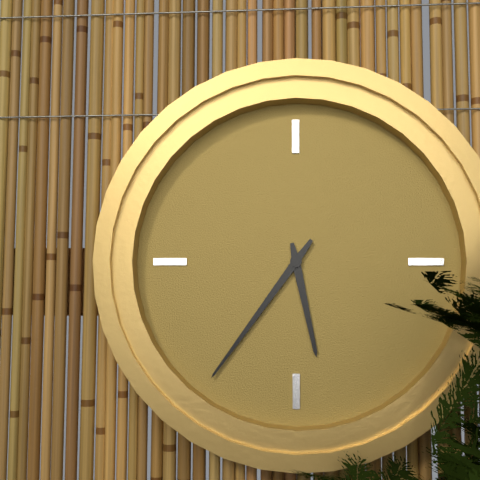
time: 5:36
